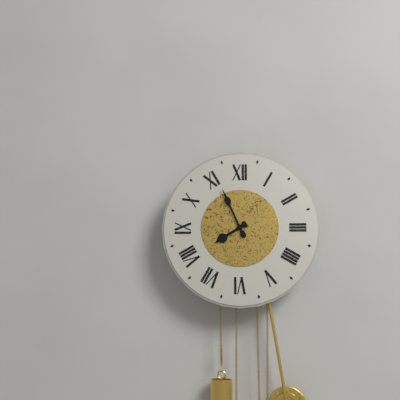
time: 7:56
